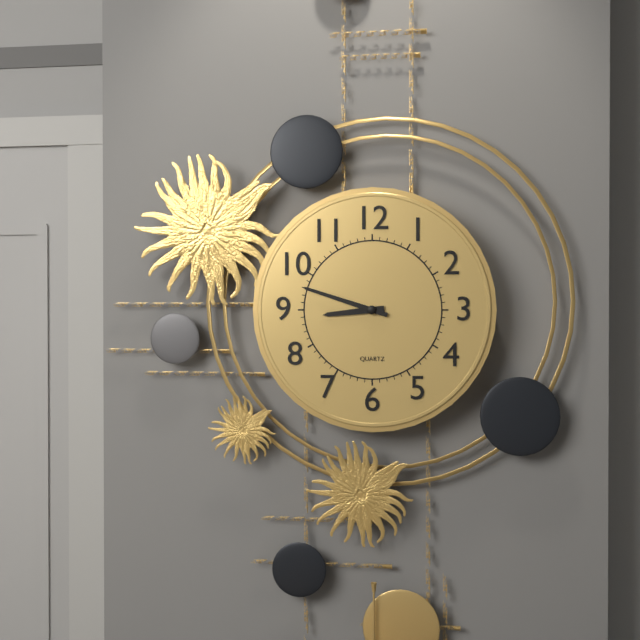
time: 8:48
